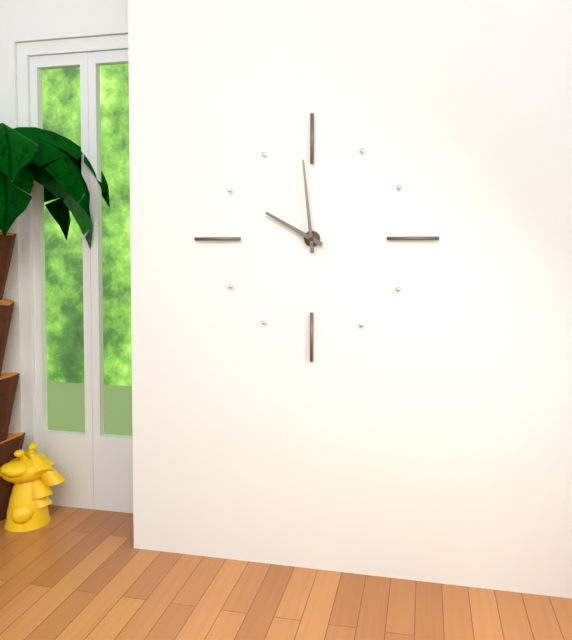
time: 9:59
